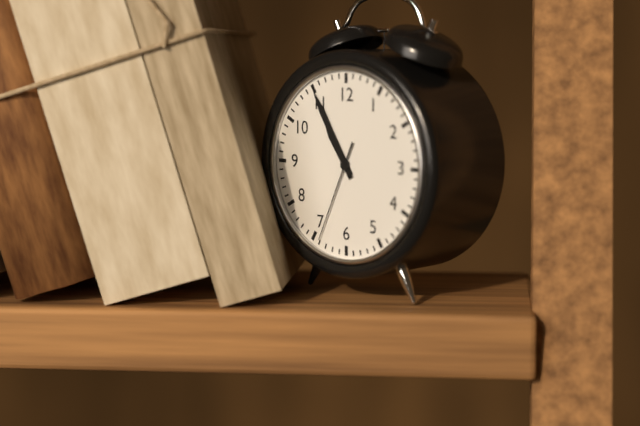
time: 10:55:34
